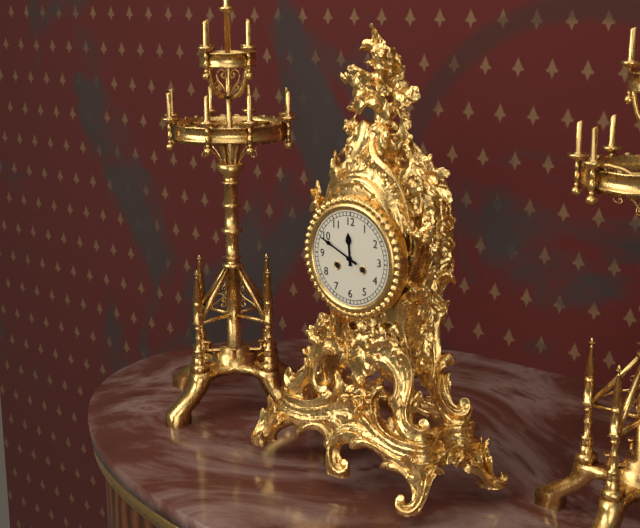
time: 11:49
